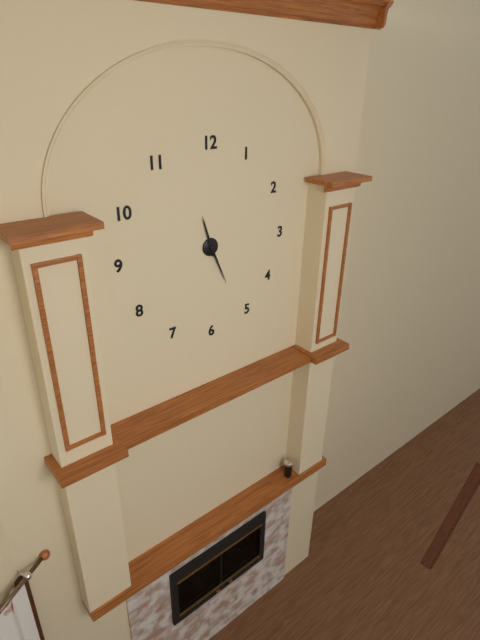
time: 11:26
